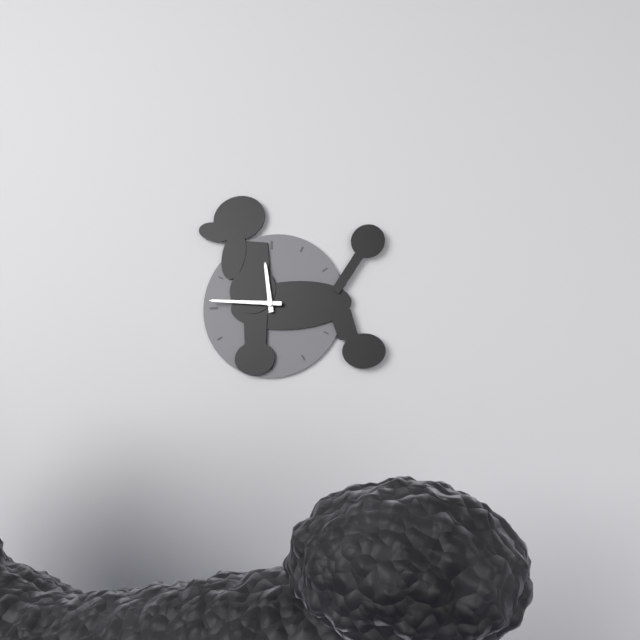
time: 11:46
